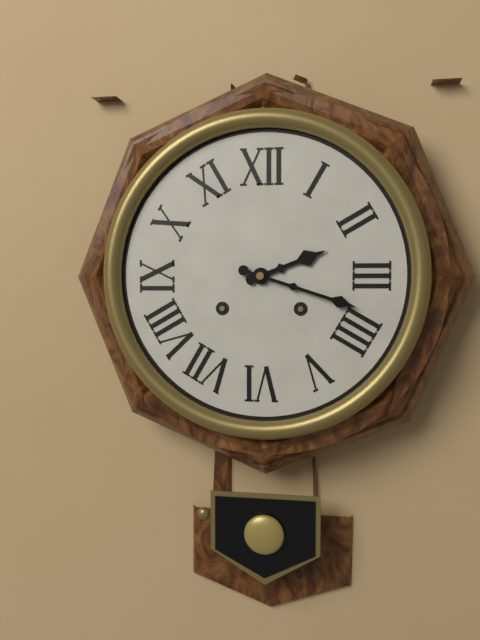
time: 2:18
